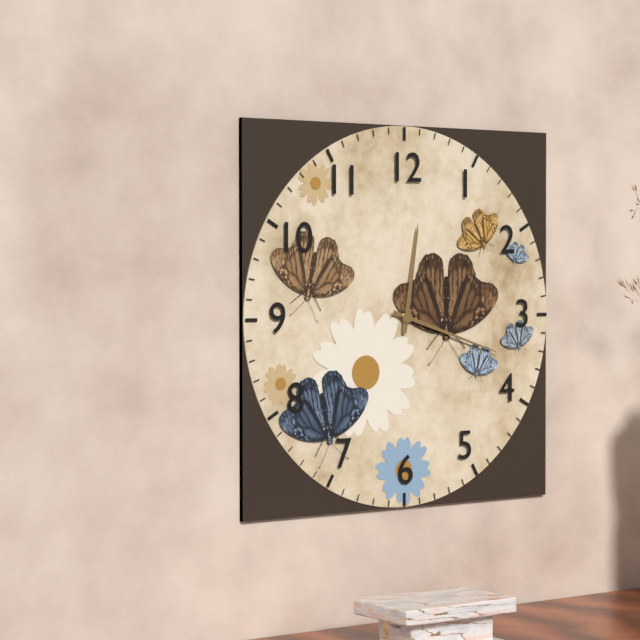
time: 12:18
